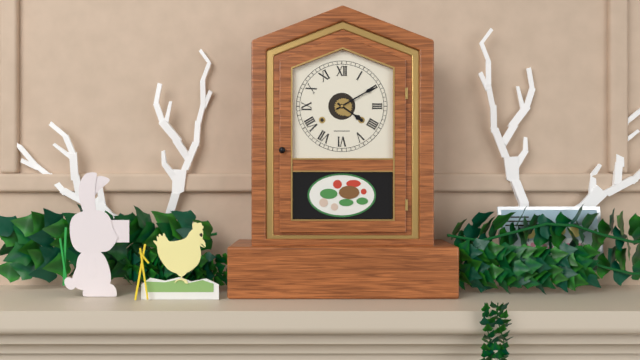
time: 4:10
